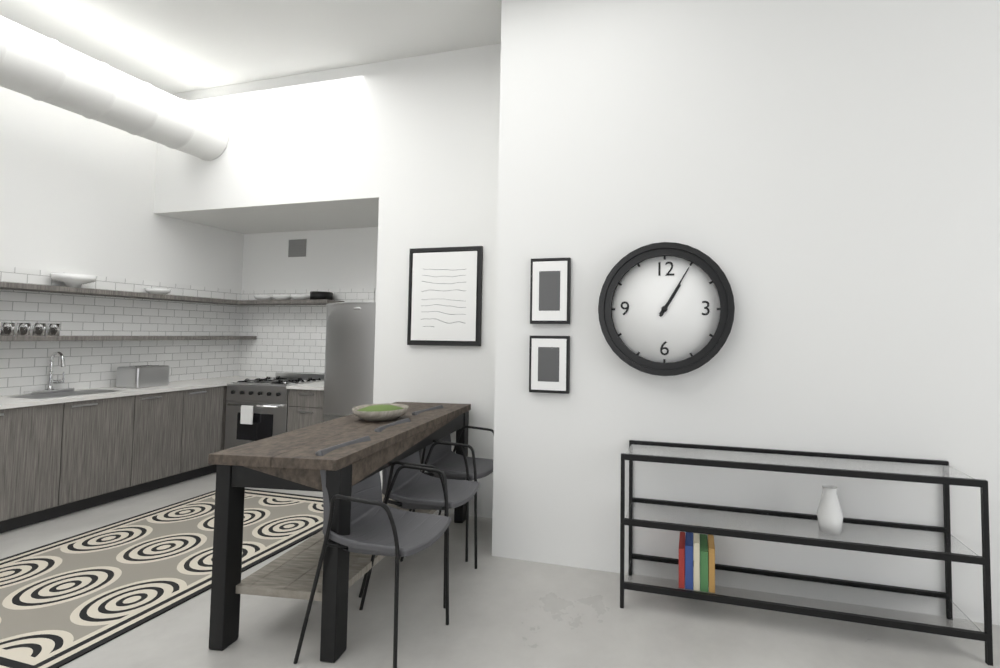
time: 1:05
